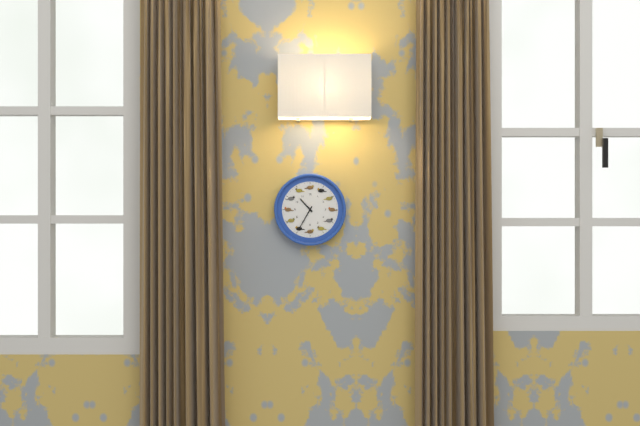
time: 10:35
